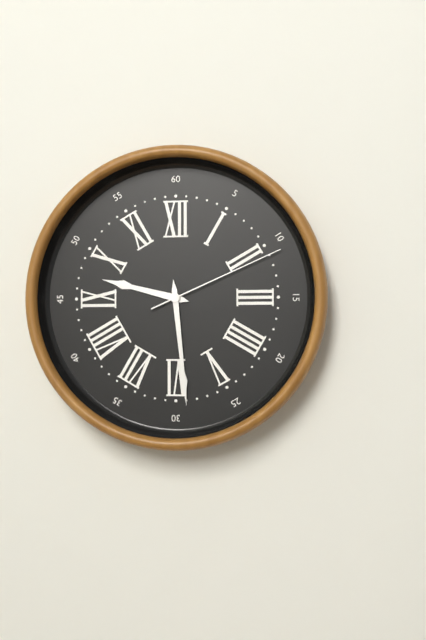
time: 9:29:11
